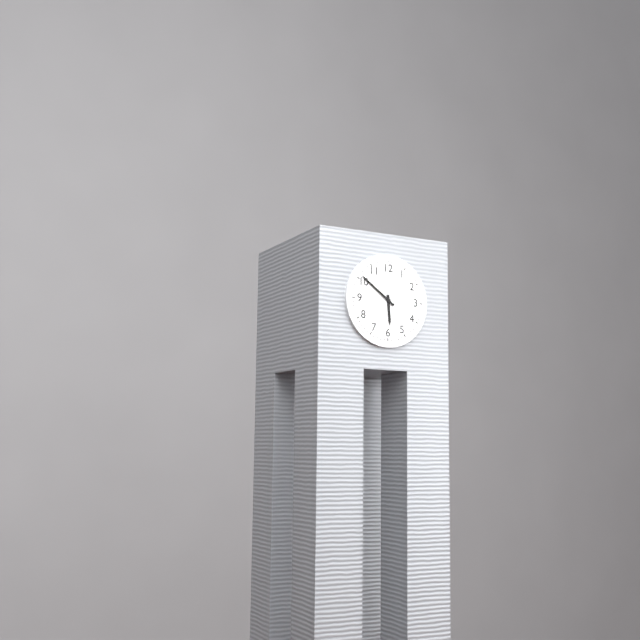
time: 5:51
